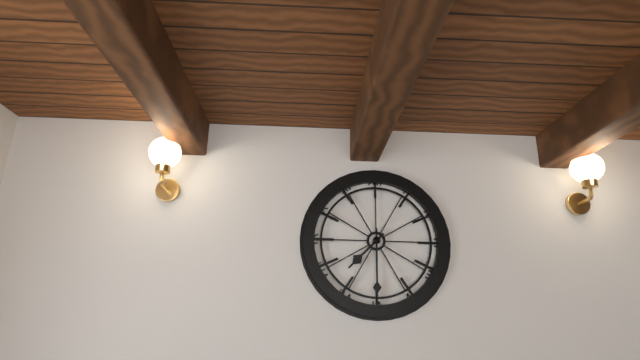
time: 7:30
